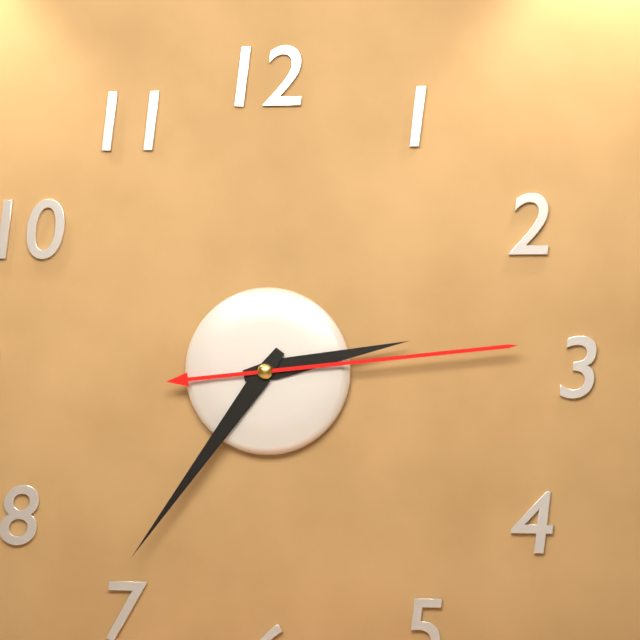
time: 2:36:14
